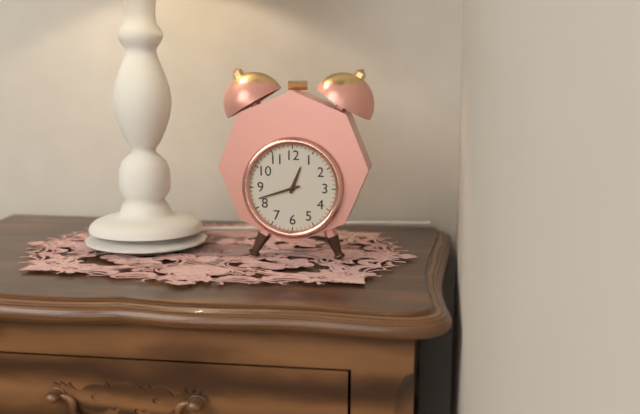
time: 12:42
